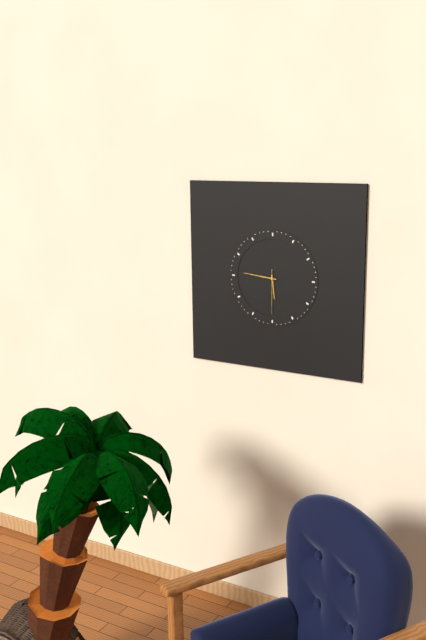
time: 5:46
